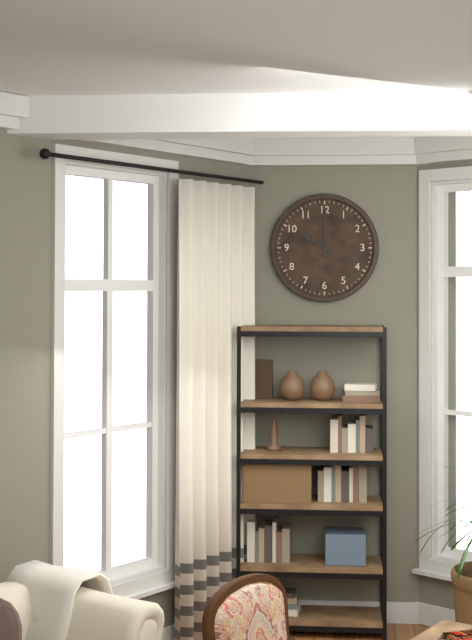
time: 10:00
